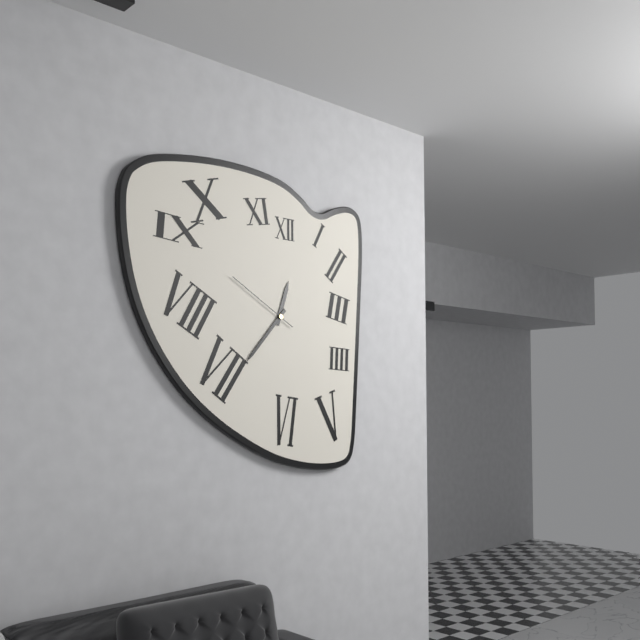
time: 12:37:50
